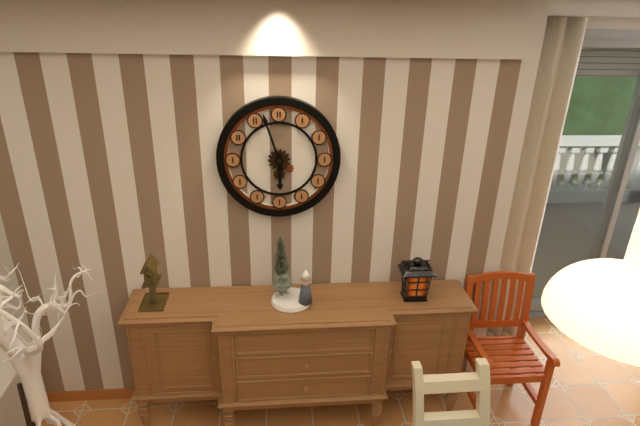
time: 5:57
